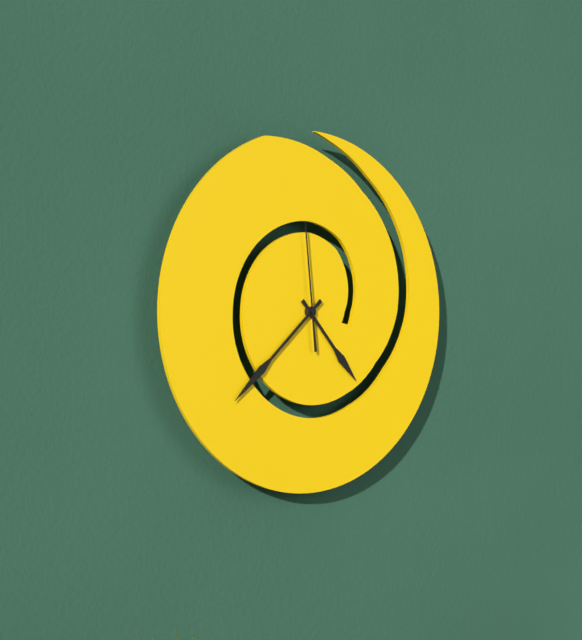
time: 4:38:59
